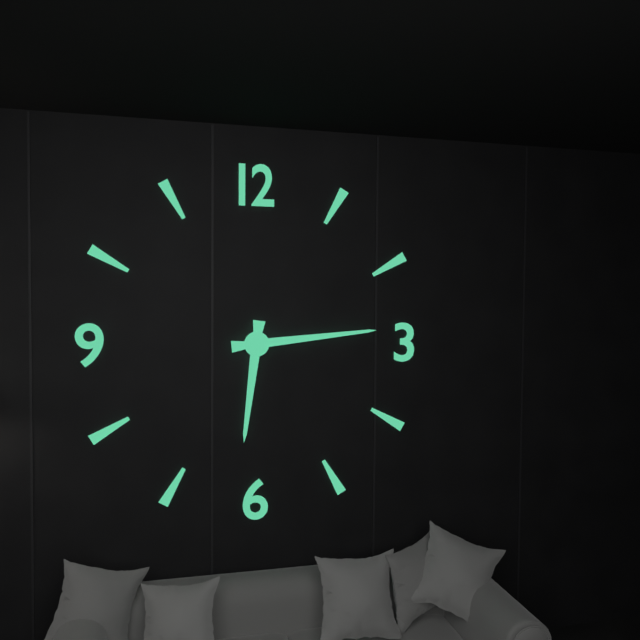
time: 6:14
